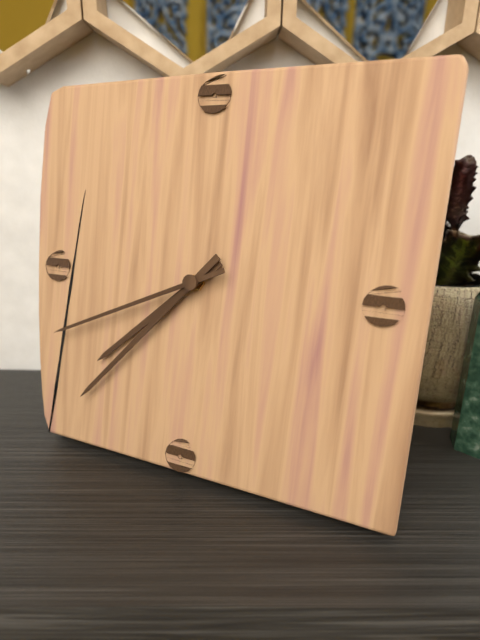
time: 7:37:41
